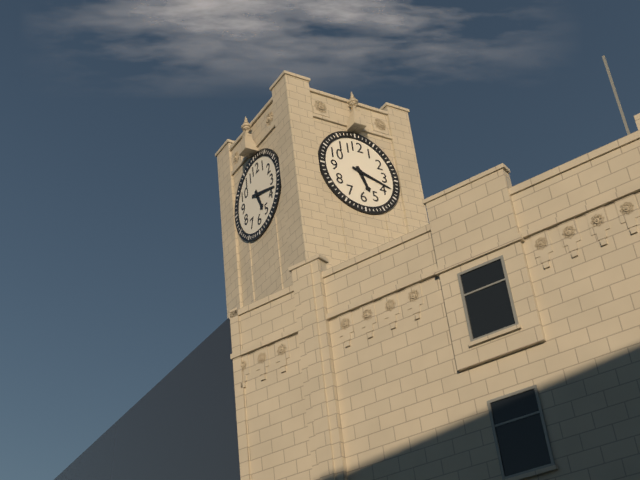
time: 5:18
